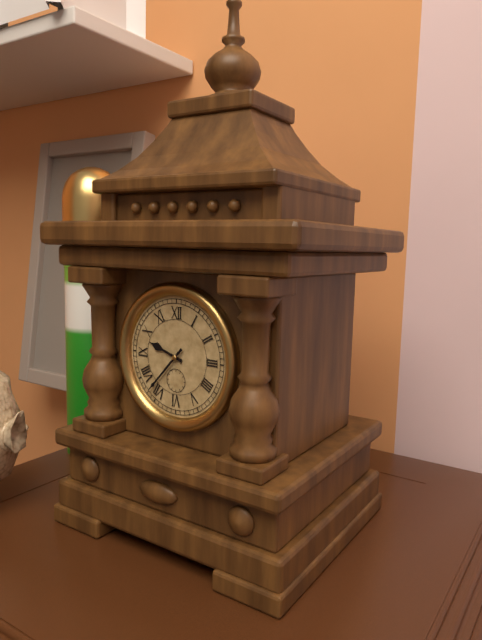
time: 9:37
